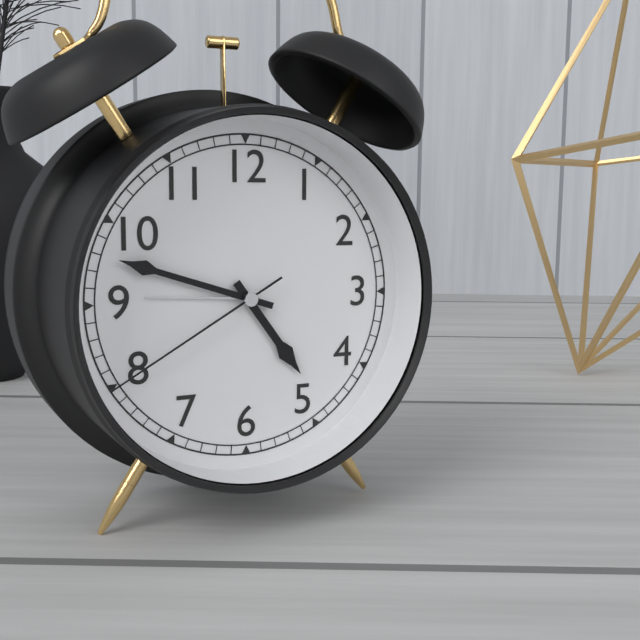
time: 4:48:40
